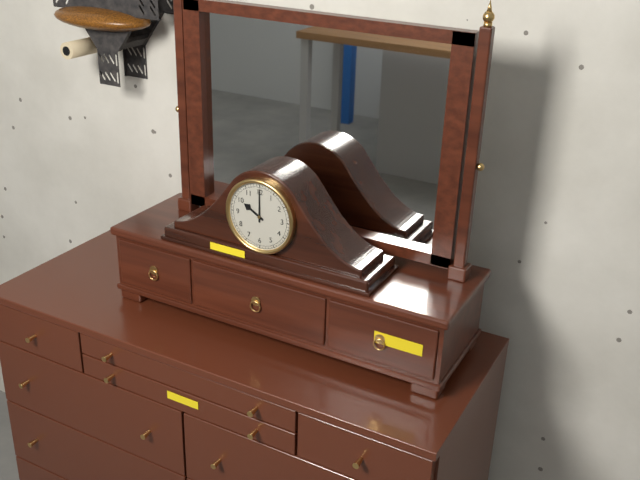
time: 10:00
